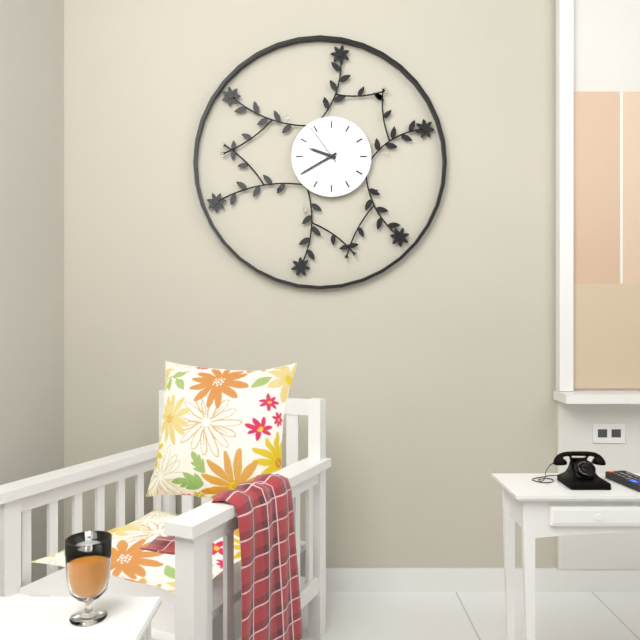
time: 9:40
